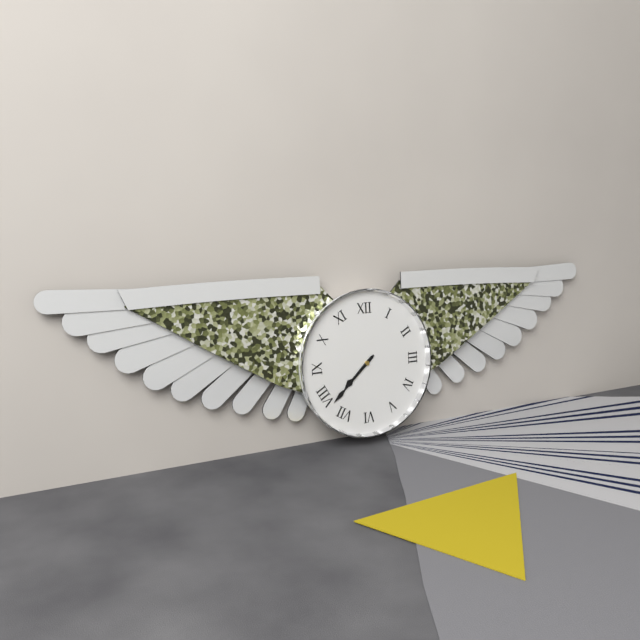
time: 7:38
